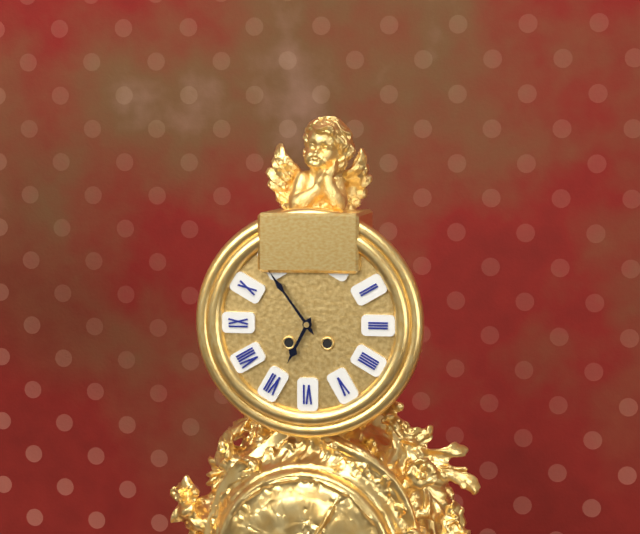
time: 6:54
